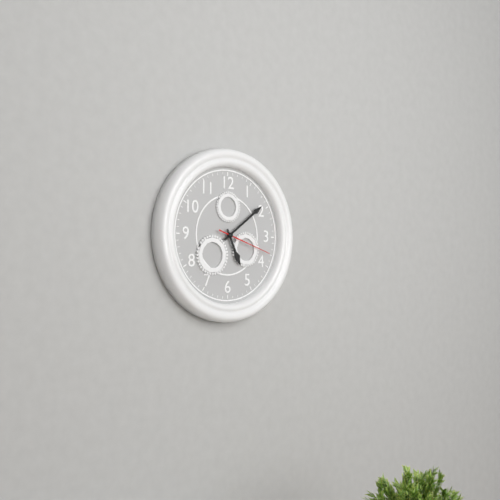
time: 5:09:18
